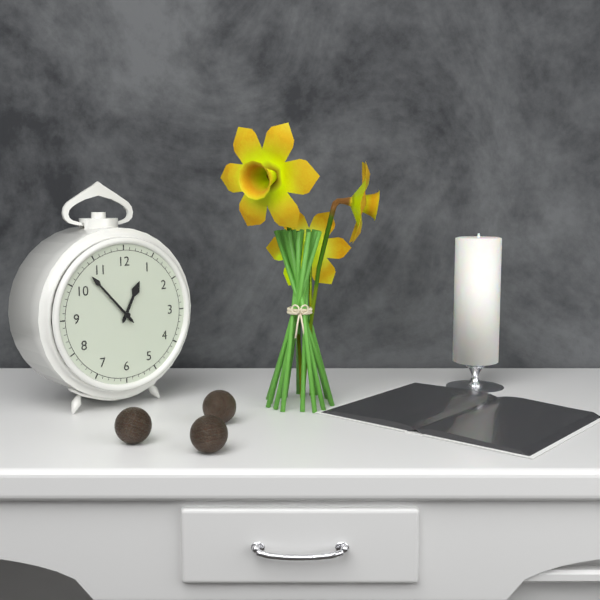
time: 12:53
